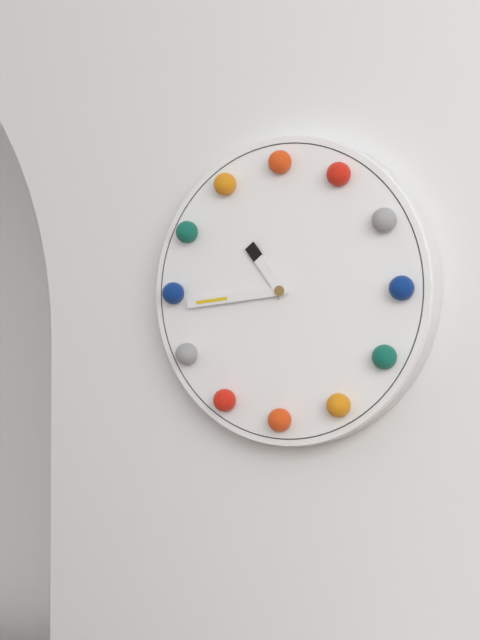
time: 10:44
